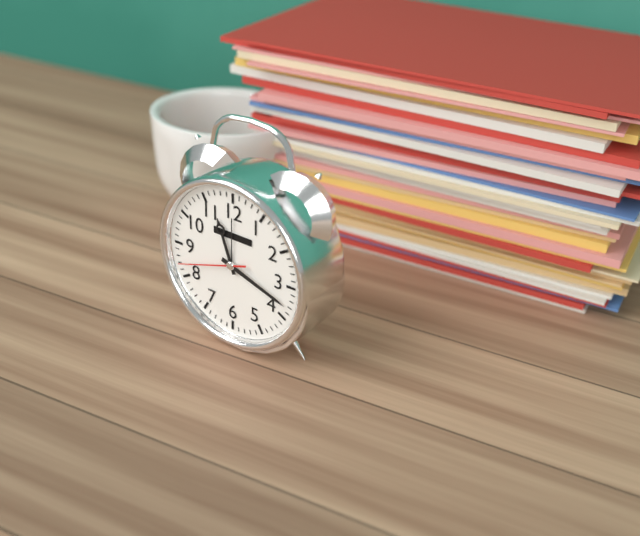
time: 11:18:42
